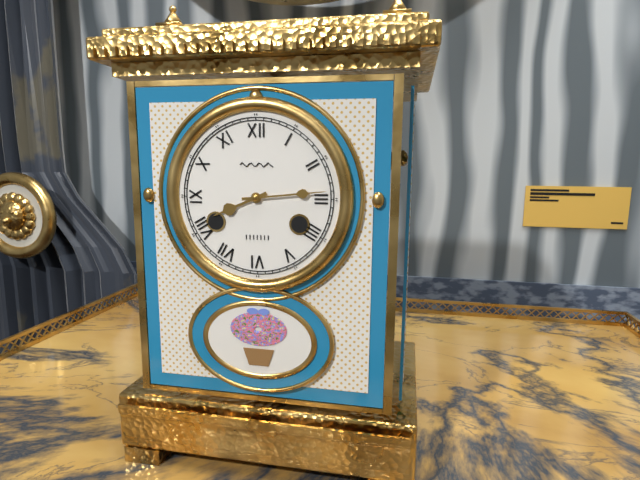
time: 8:14
